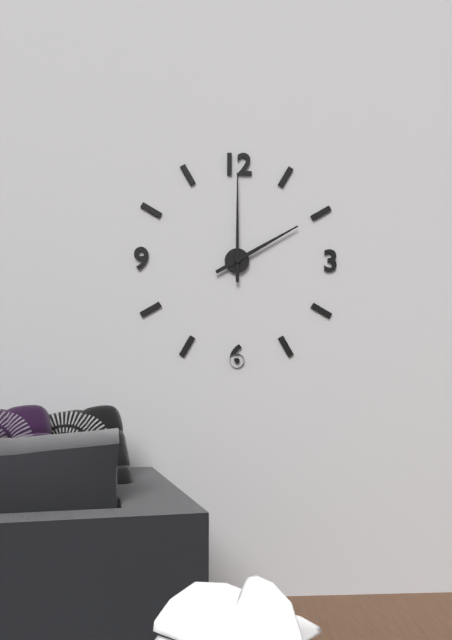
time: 2:00
